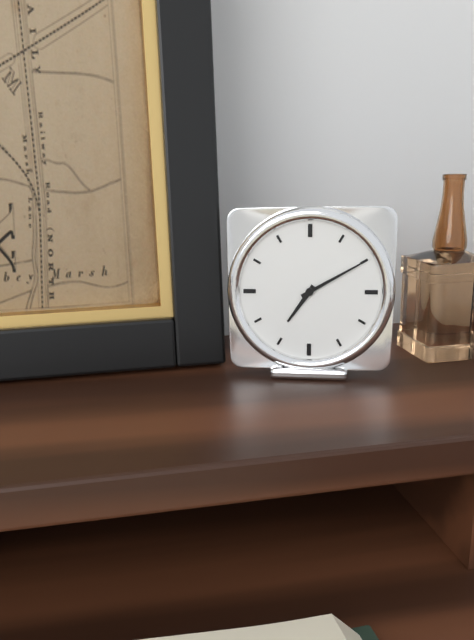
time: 7:10
